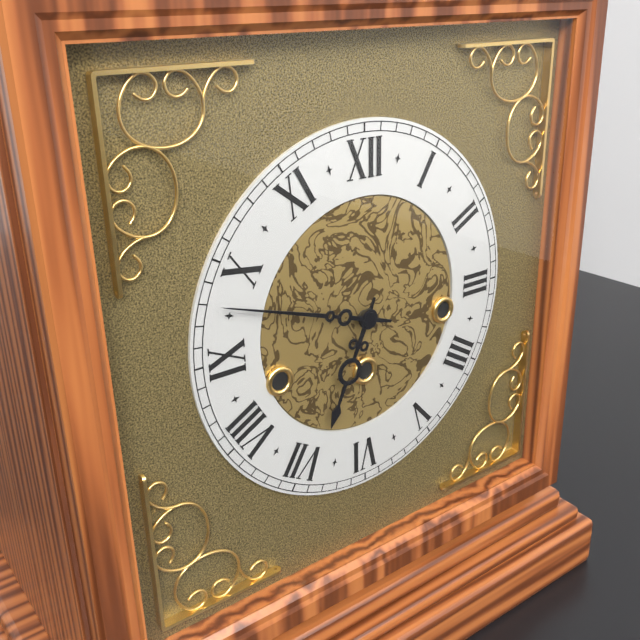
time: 6:48
